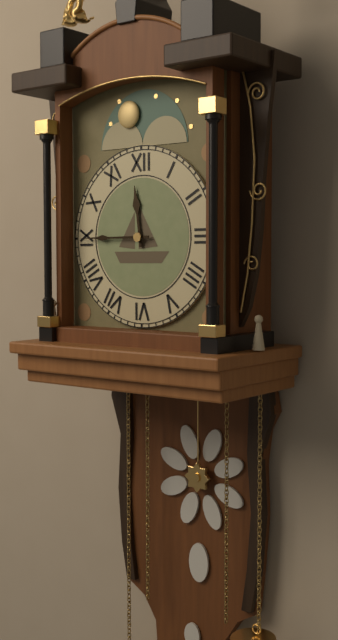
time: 11:45
